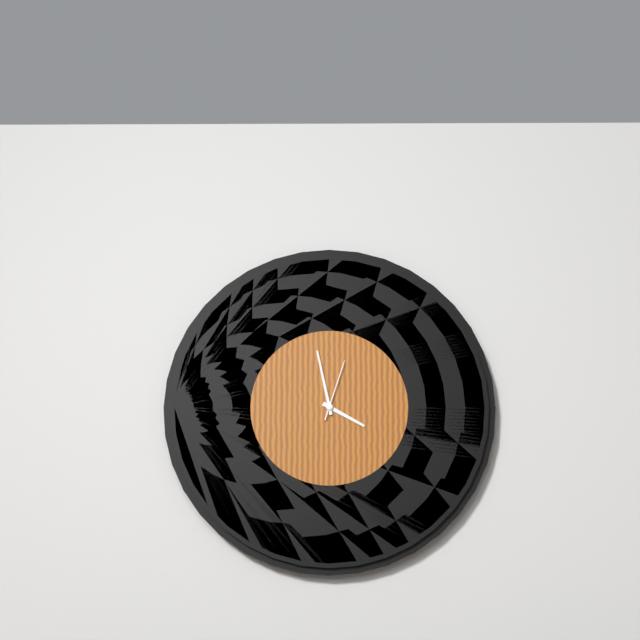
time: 3:58:03
